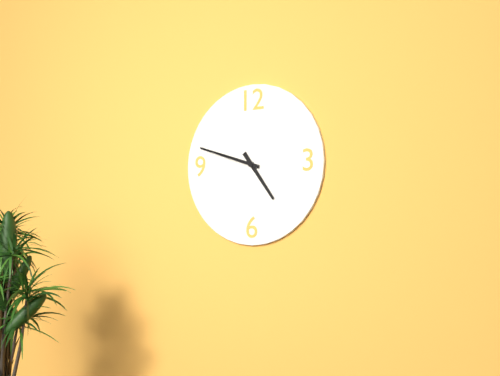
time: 4:48
